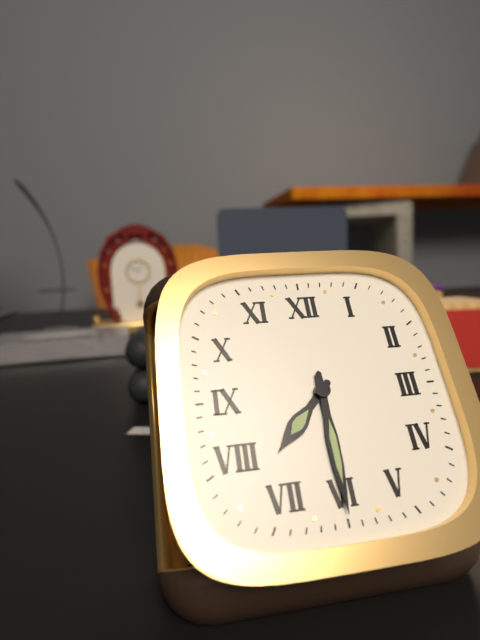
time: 7:30
